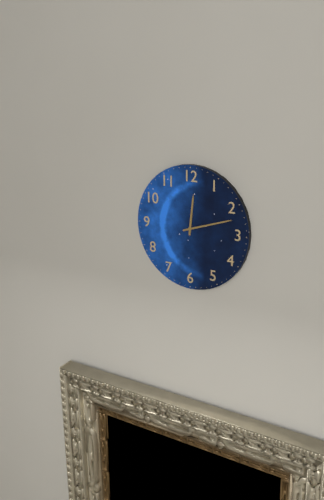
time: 12:12
